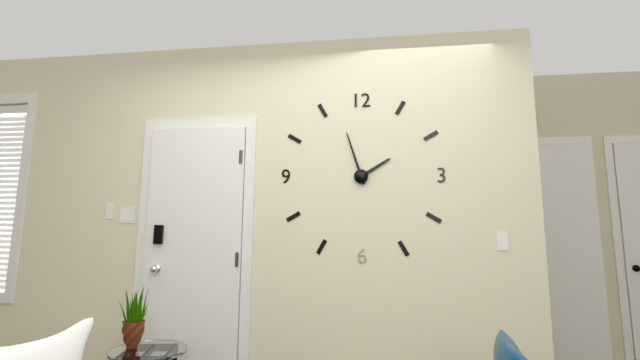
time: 1:57
